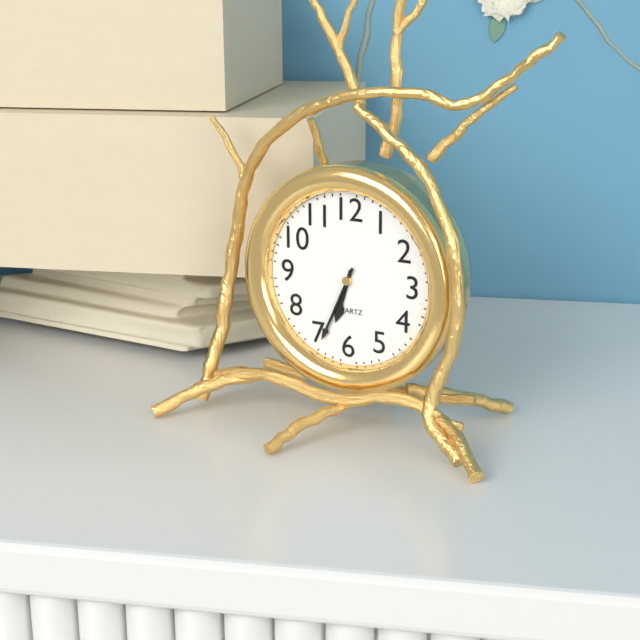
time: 6:34
